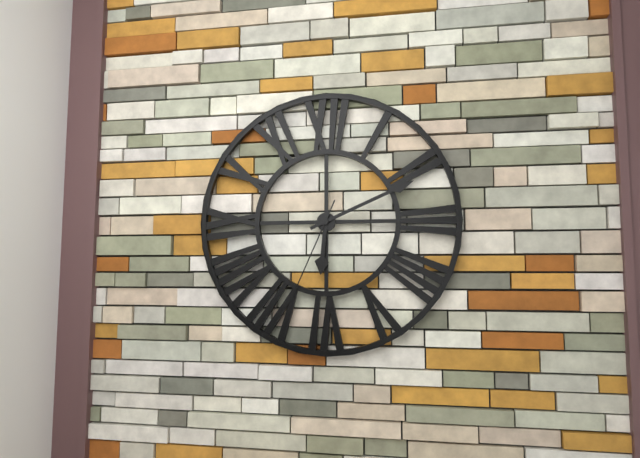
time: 6:11:34
